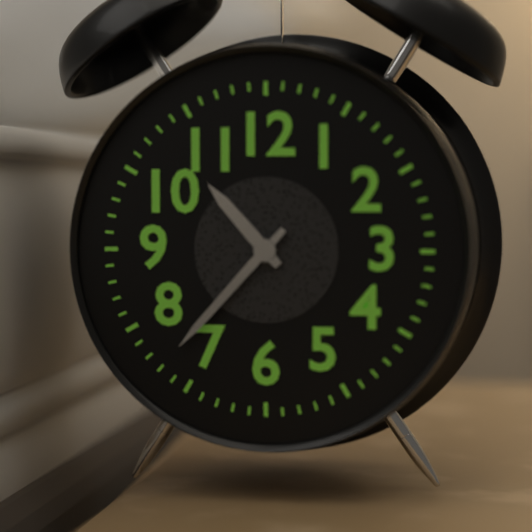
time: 10:37
